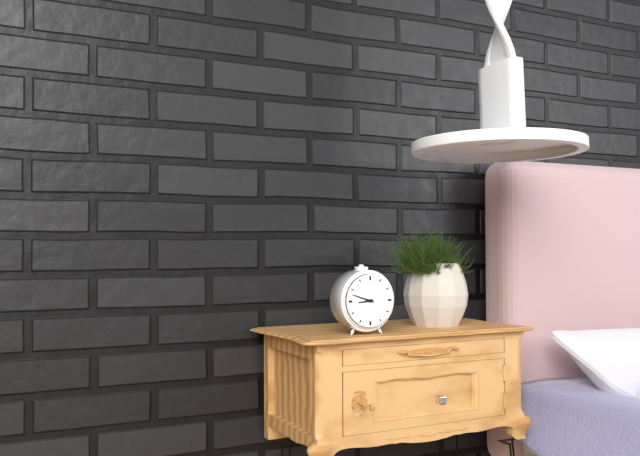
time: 8:48
